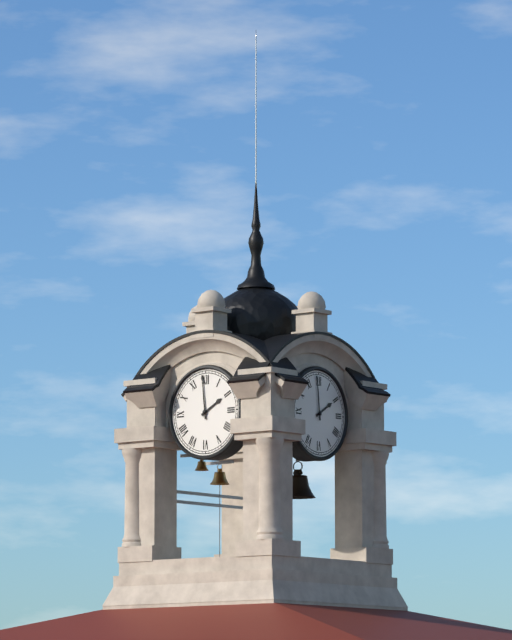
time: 1:59
